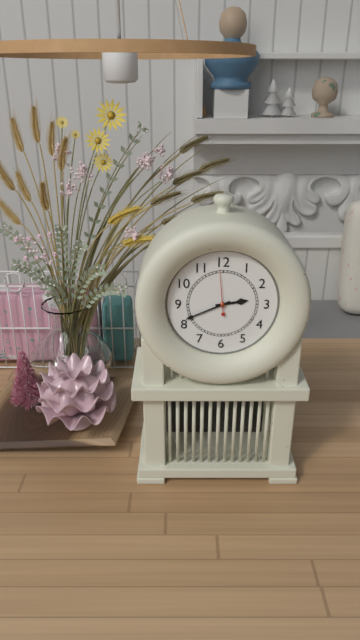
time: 2:41
